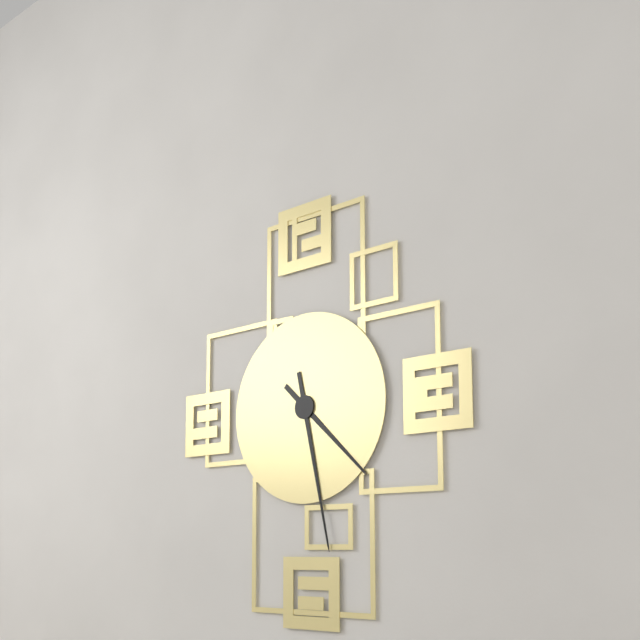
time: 4:28
